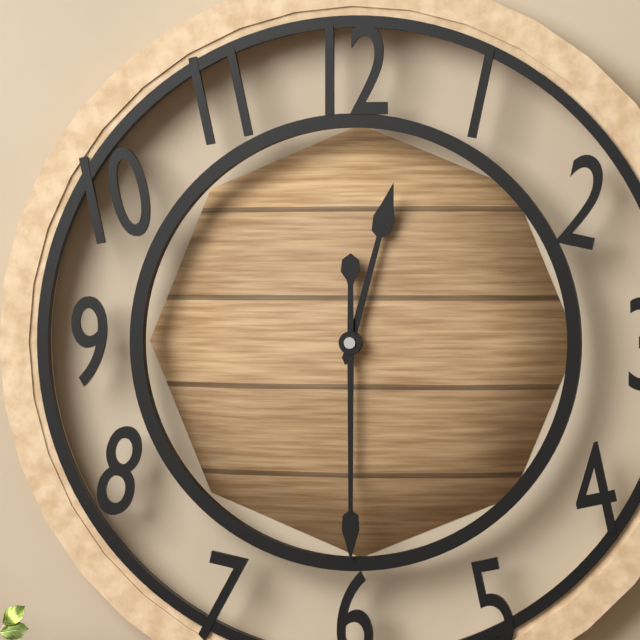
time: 12:30
